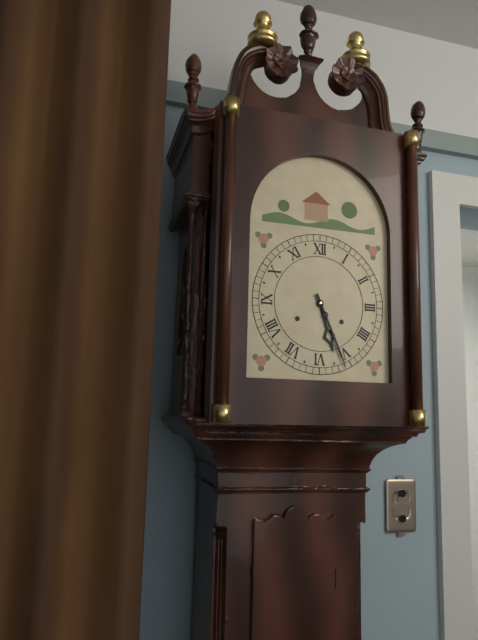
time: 5:26
